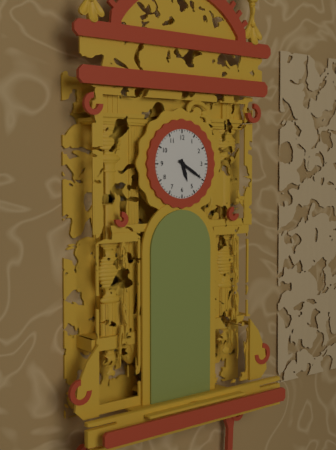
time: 5:20
